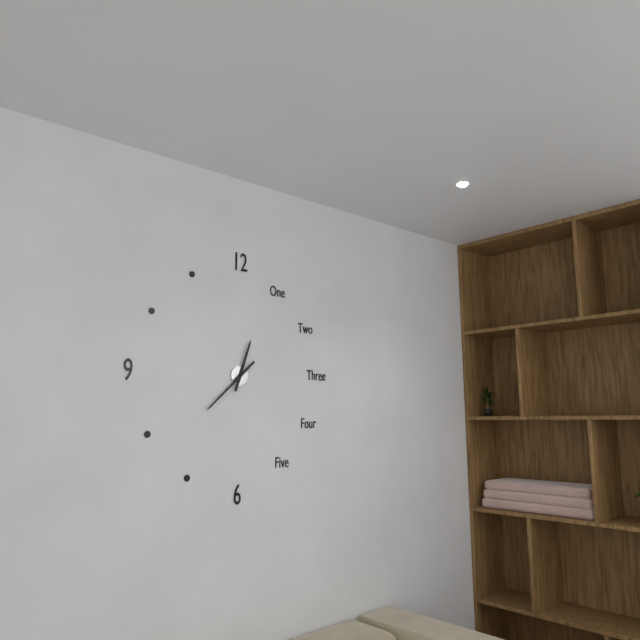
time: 12:38
